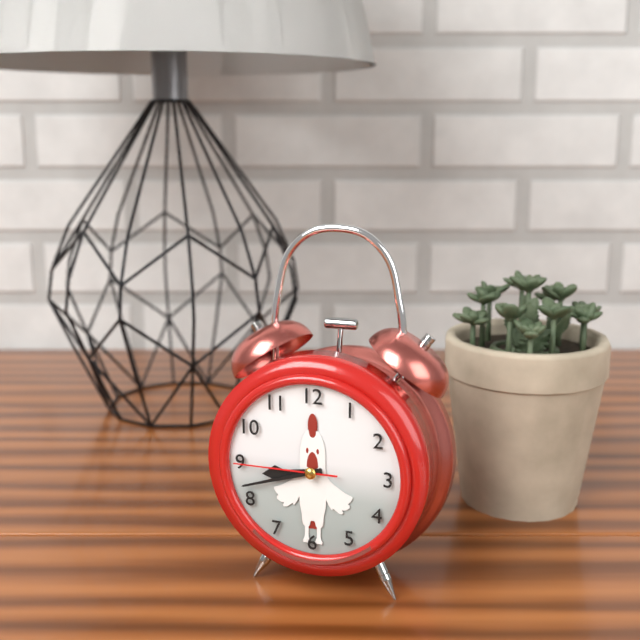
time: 8:42:45
